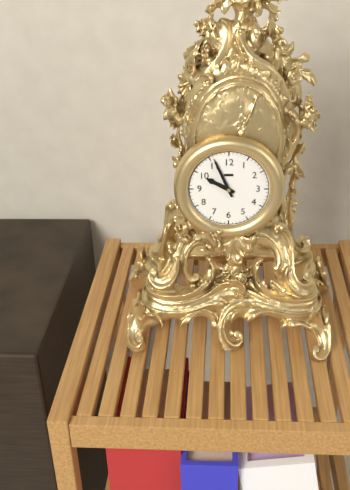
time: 9:56
